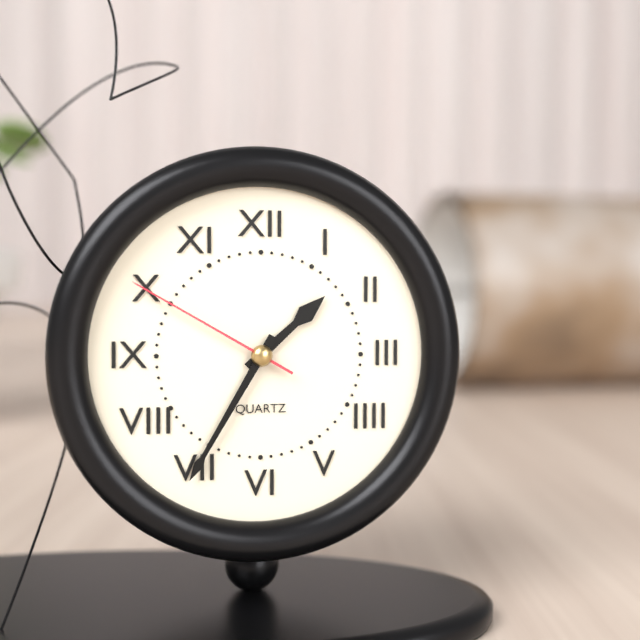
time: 1:35:50
